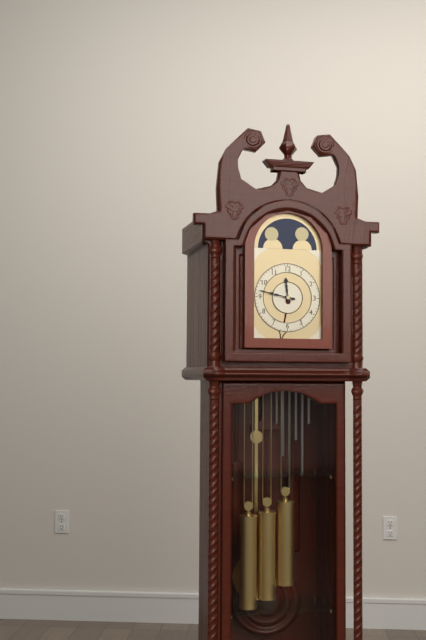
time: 11:47
